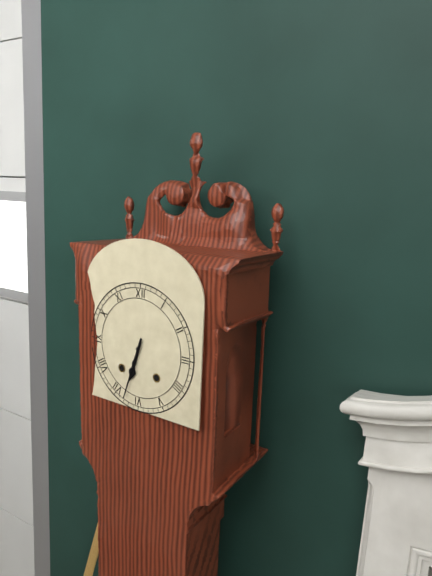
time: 6:33
